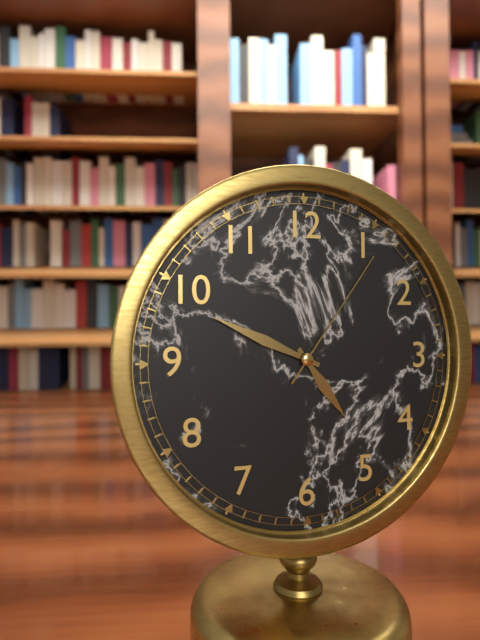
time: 4:49:06
